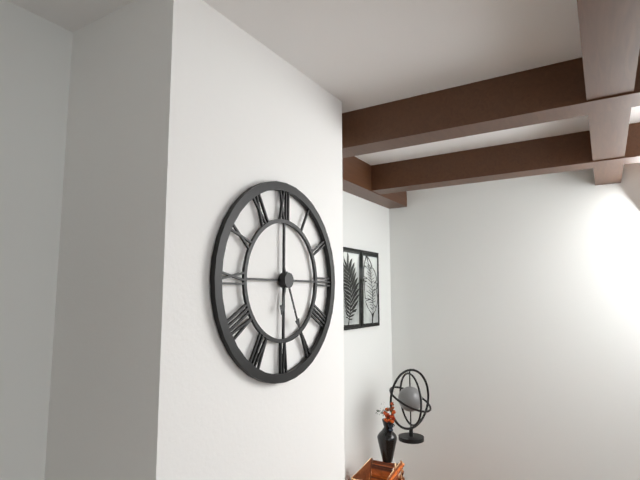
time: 6:26
